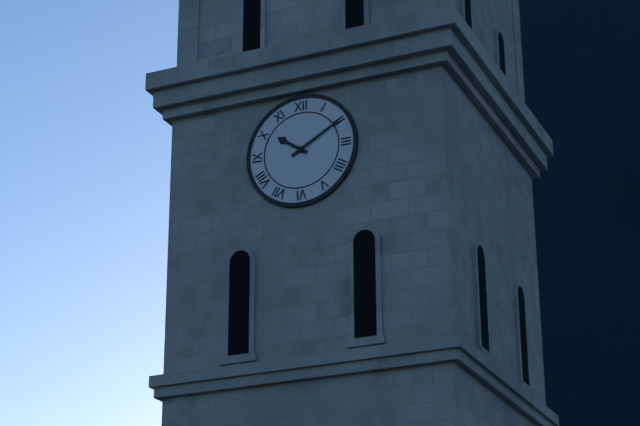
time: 10:10
